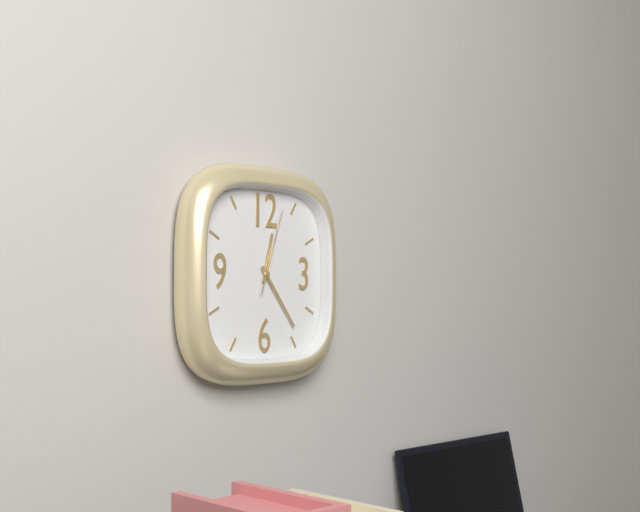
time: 12:24:03
